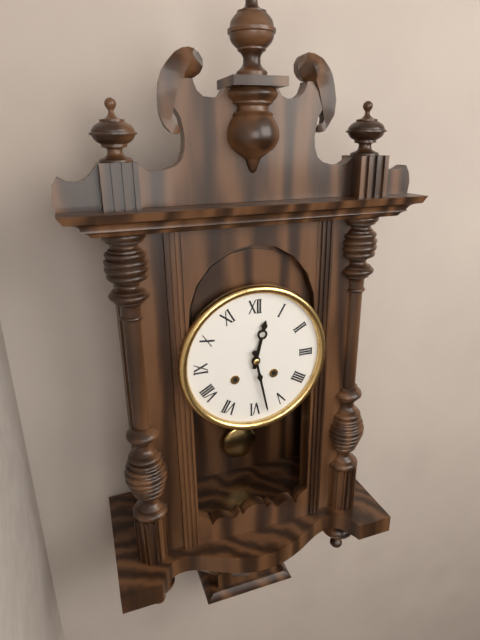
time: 12:28
